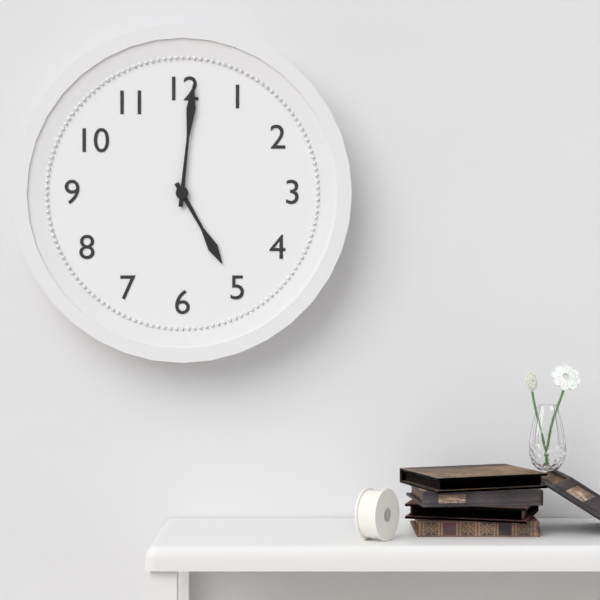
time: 5:01
